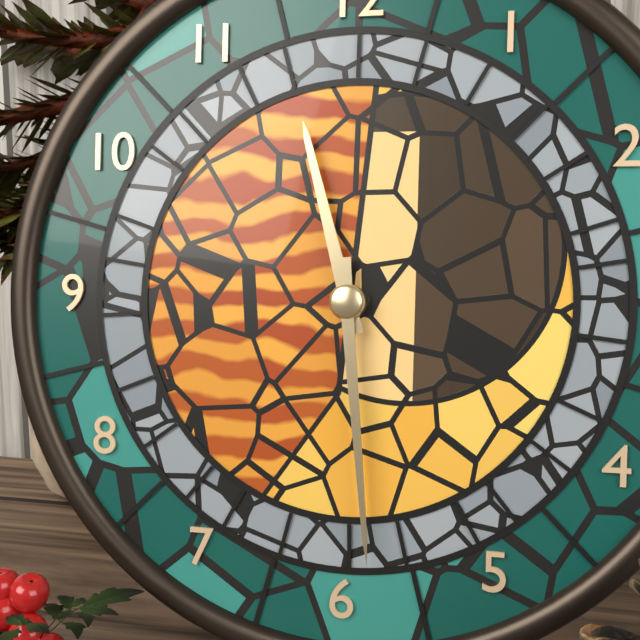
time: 11:29
